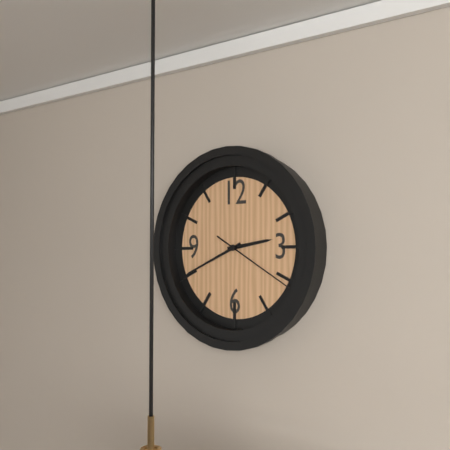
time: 2:41:20
